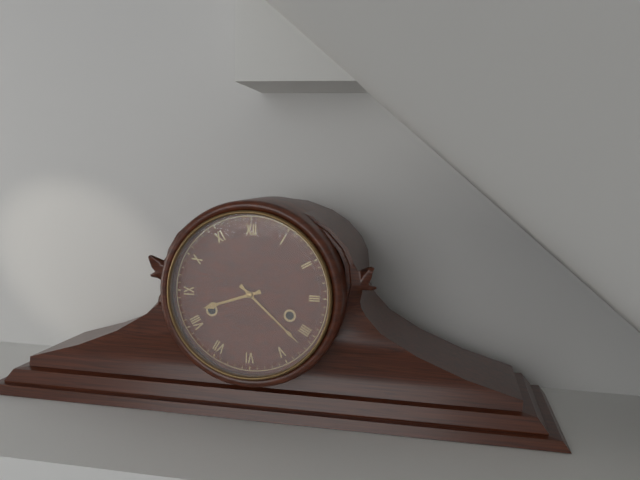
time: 8:22
